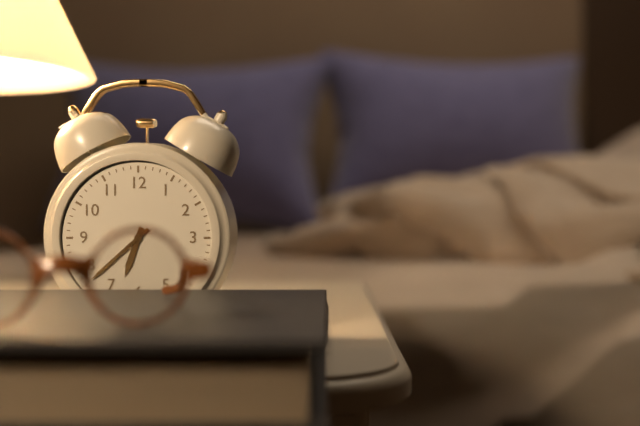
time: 6:38
